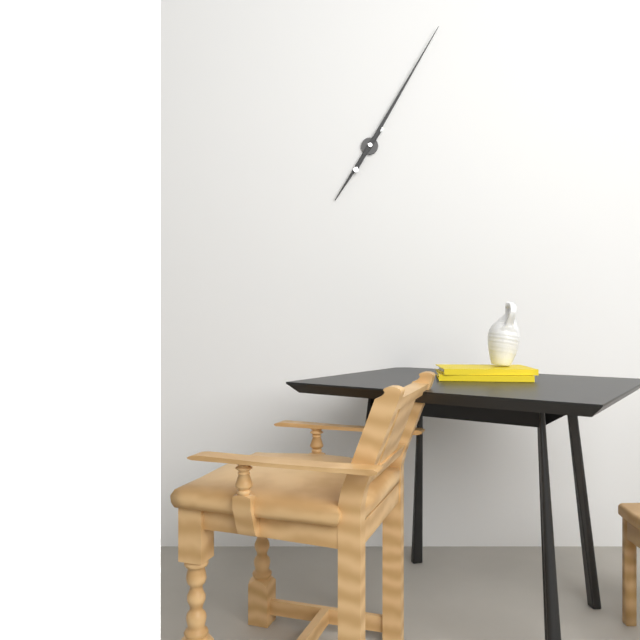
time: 7:05
